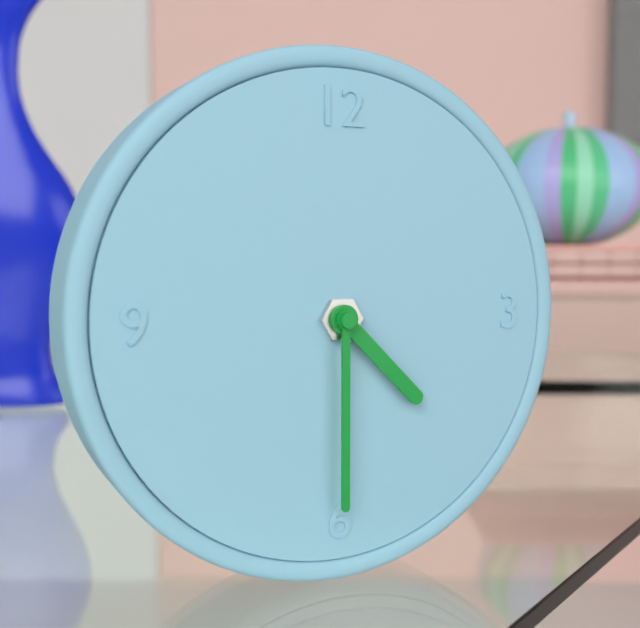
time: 4:30
